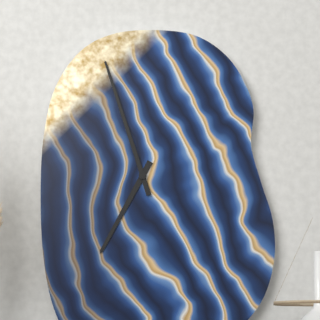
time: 6:57
